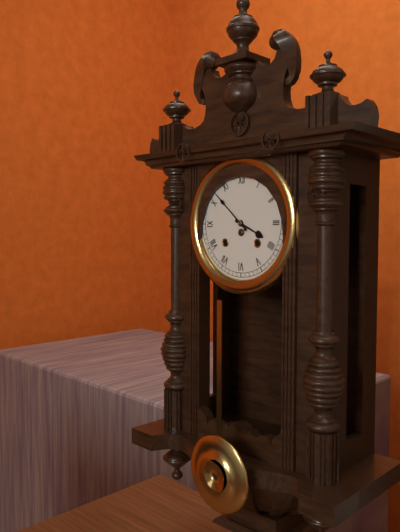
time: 3:52
